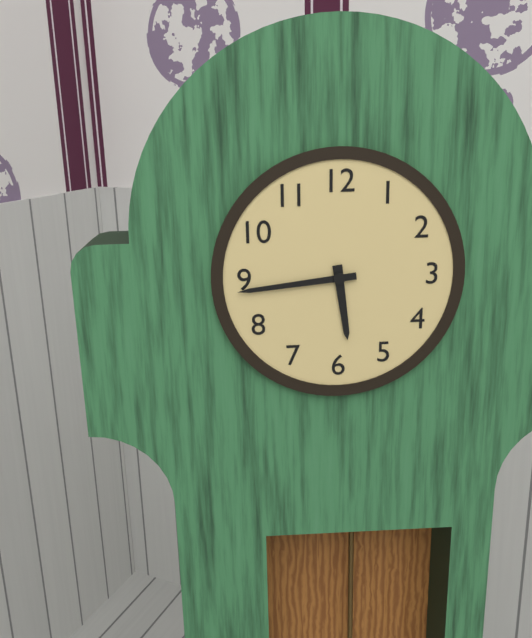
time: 5:44
